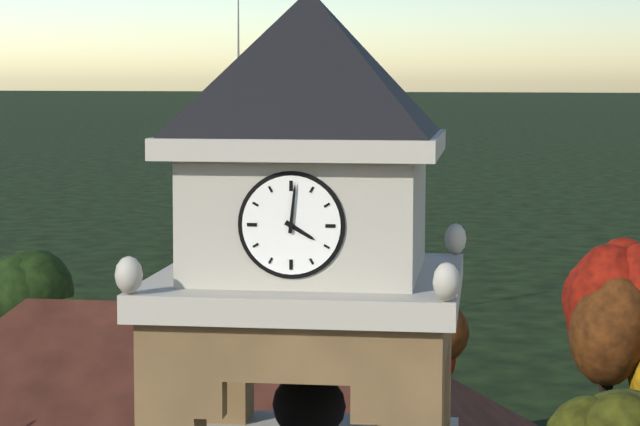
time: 4:01
